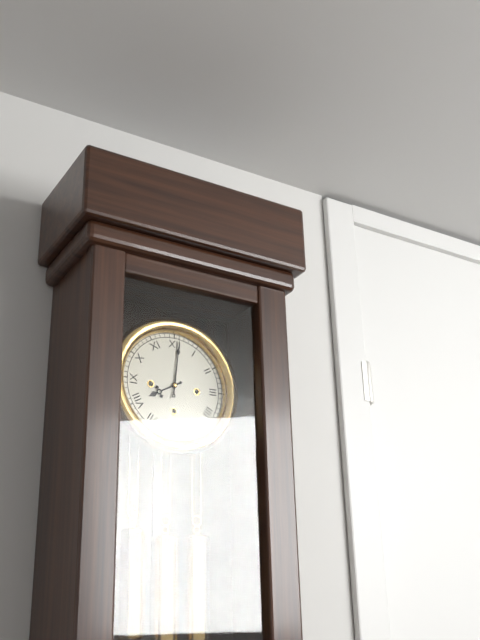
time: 8:01
